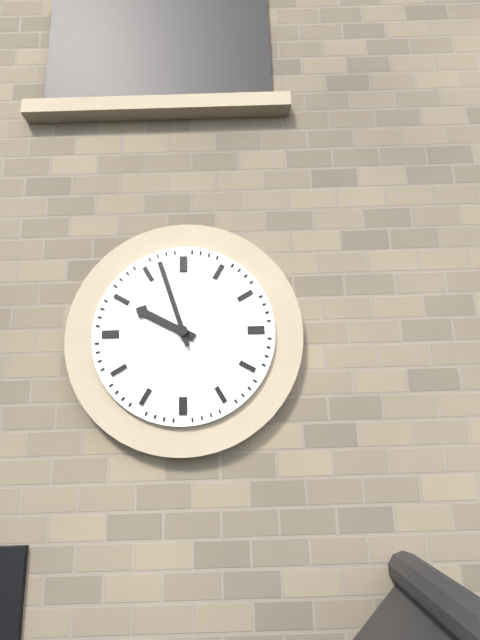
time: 9:57
